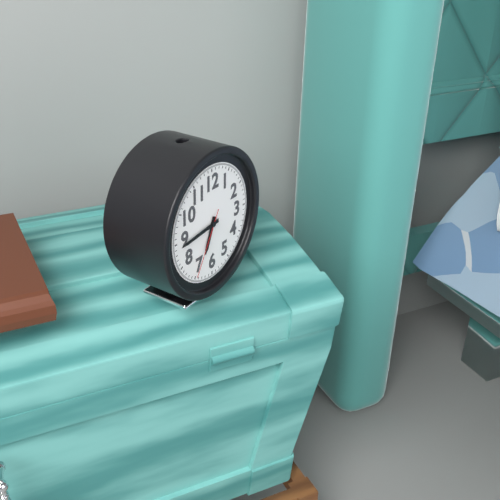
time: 6:44:35
